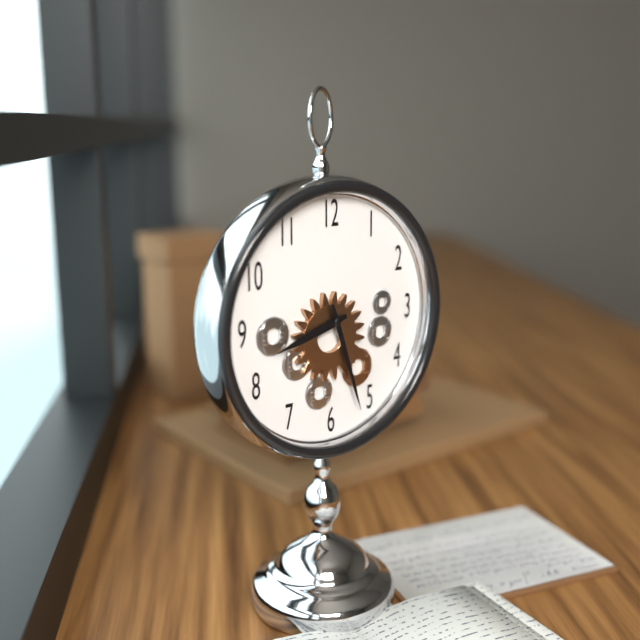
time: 8:27
